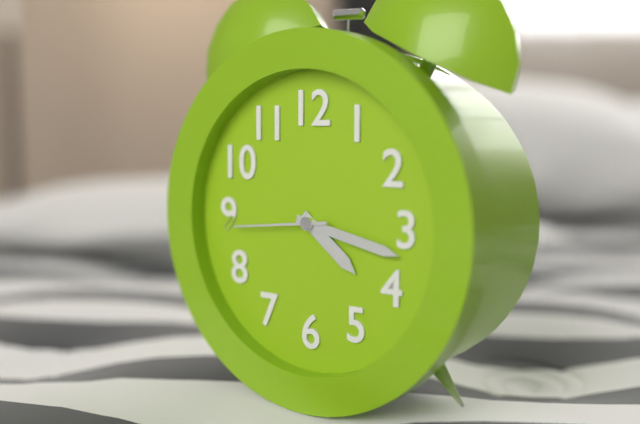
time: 4:17:44
